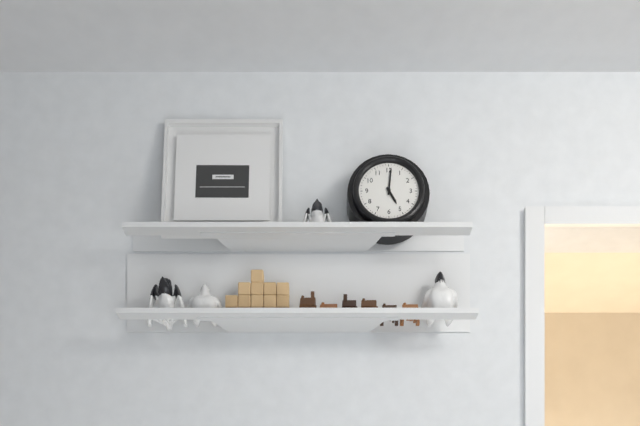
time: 5:01
